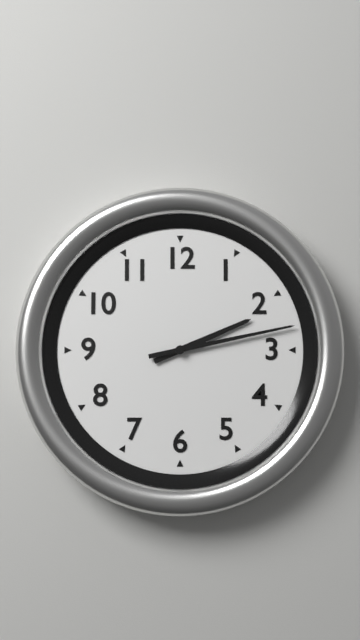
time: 2:13
